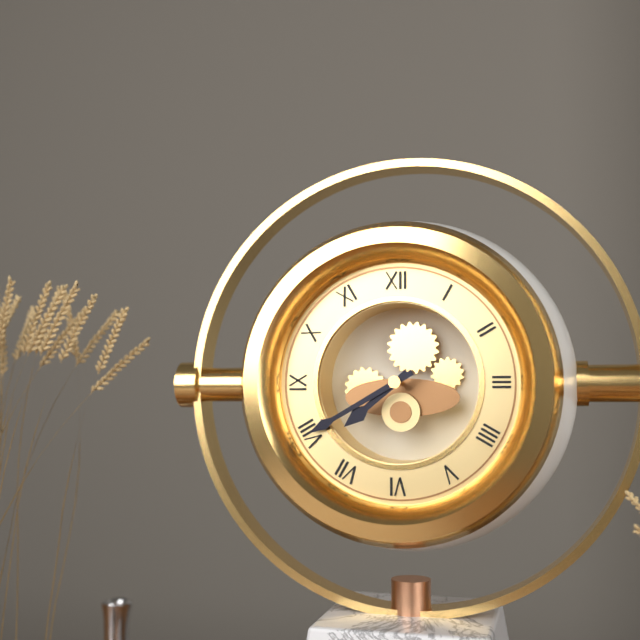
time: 7:40
